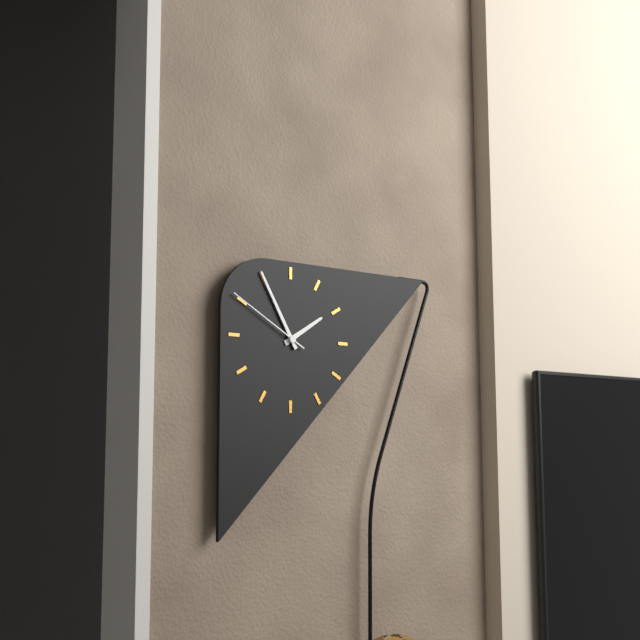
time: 1:55:50
